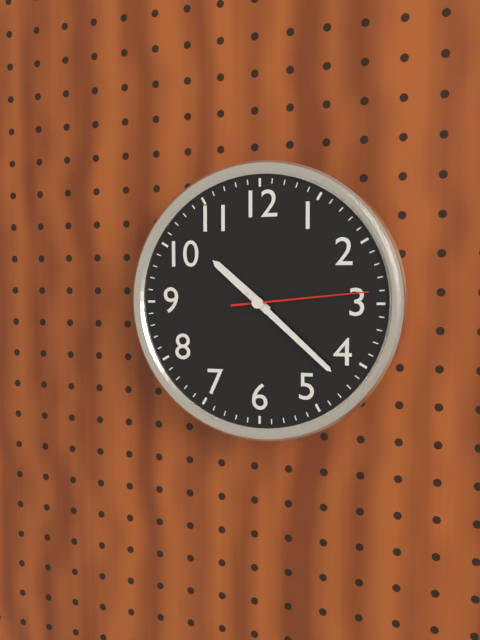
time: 10:22:14
